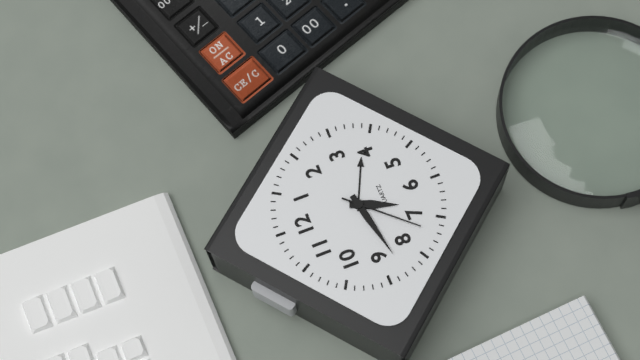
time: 6:43:37
